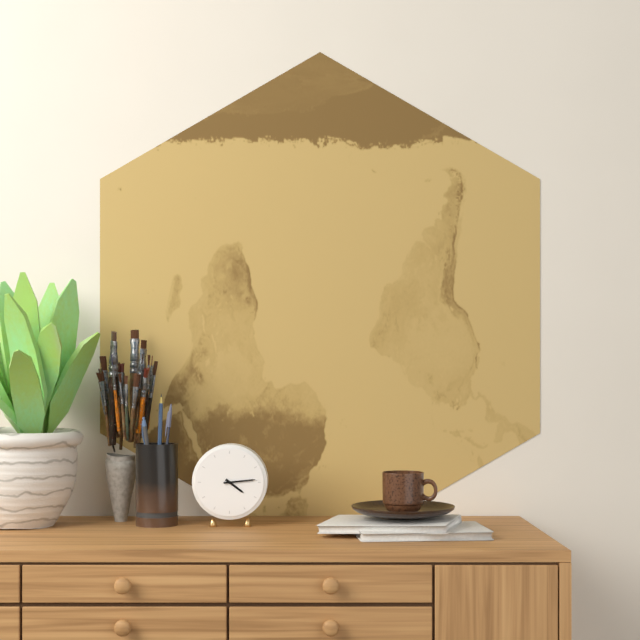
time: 4:14
